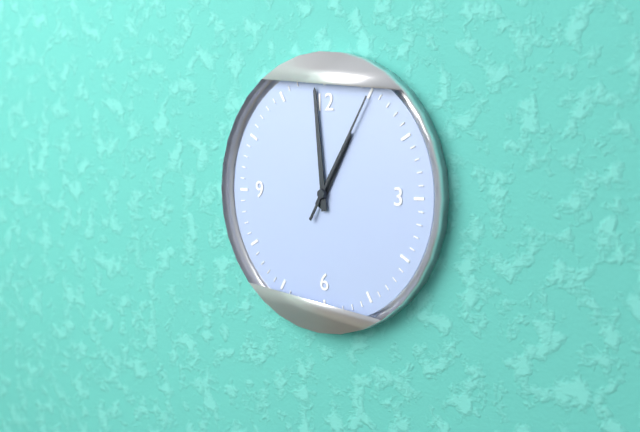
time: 12:59:05
